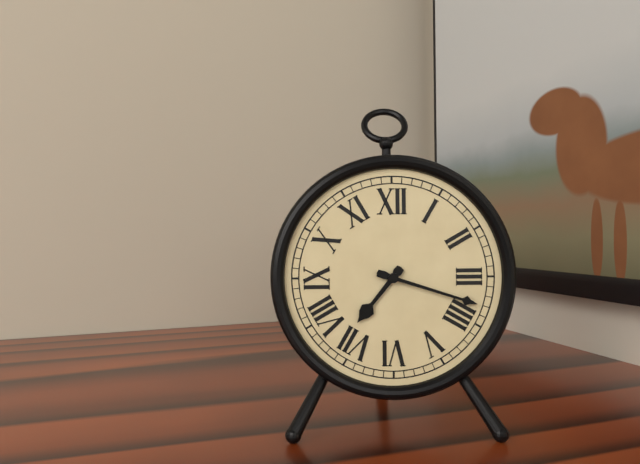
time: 7:18
